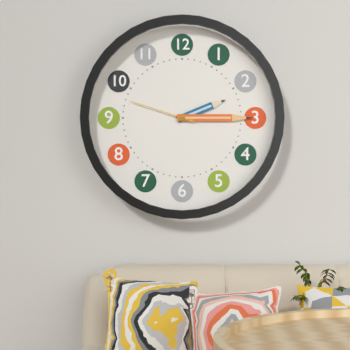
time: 2:15:48
